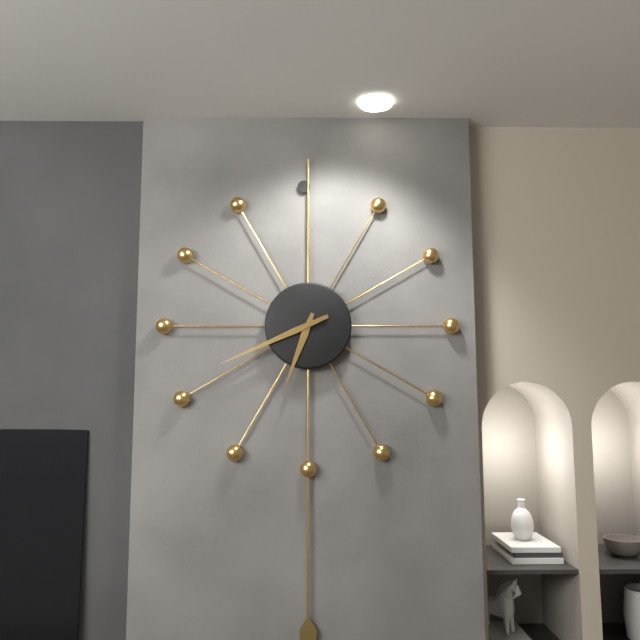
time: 6:41
